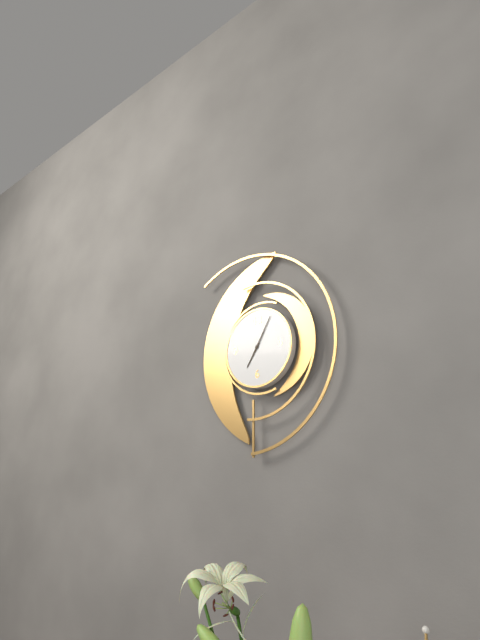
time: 7:05
